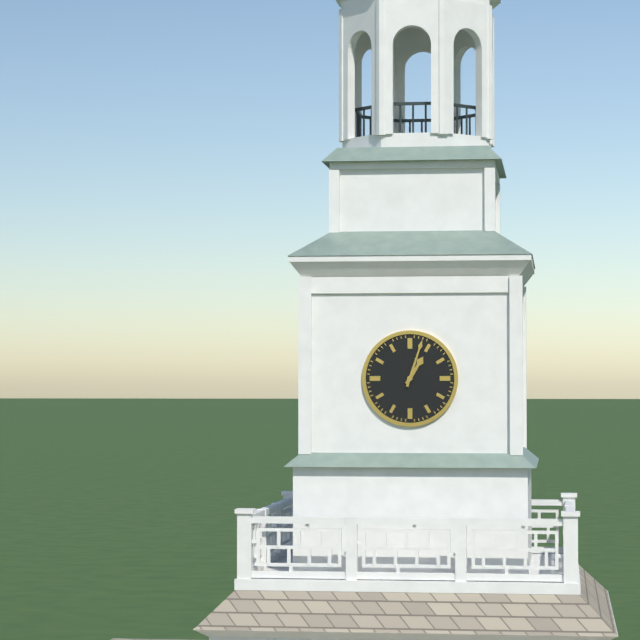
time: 1:03
